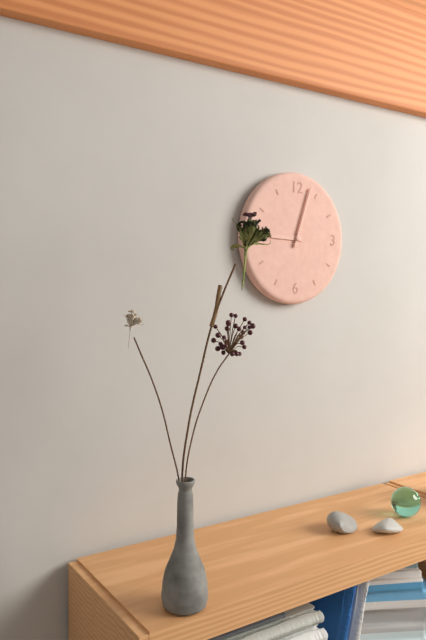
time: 9:03
